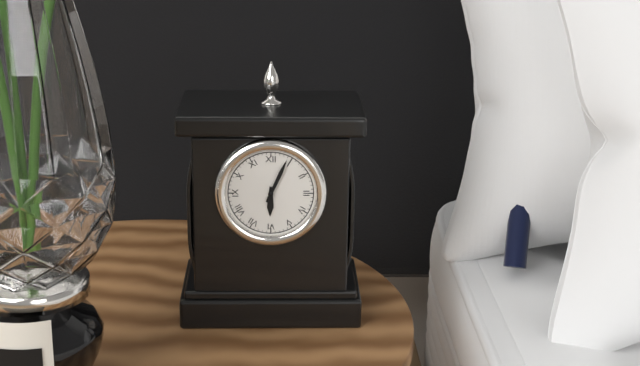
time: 6:04
